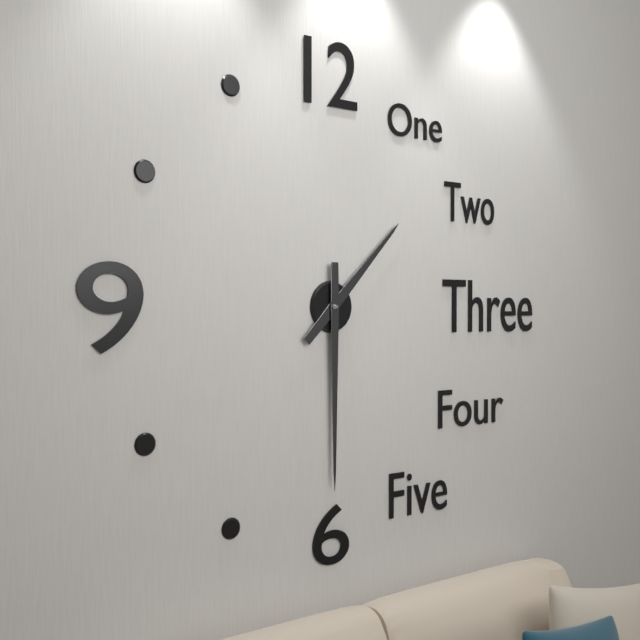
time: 1:30
